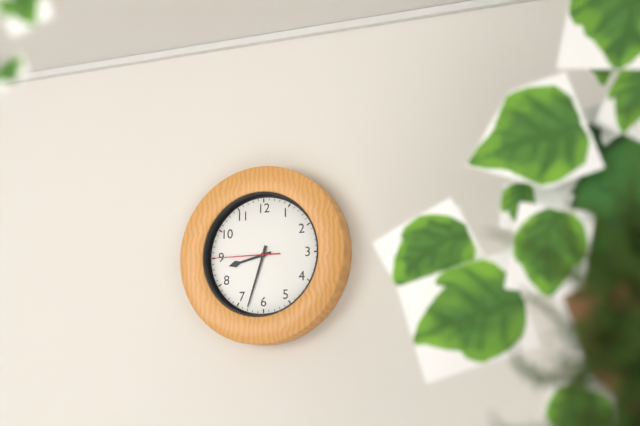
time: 8:33:45
